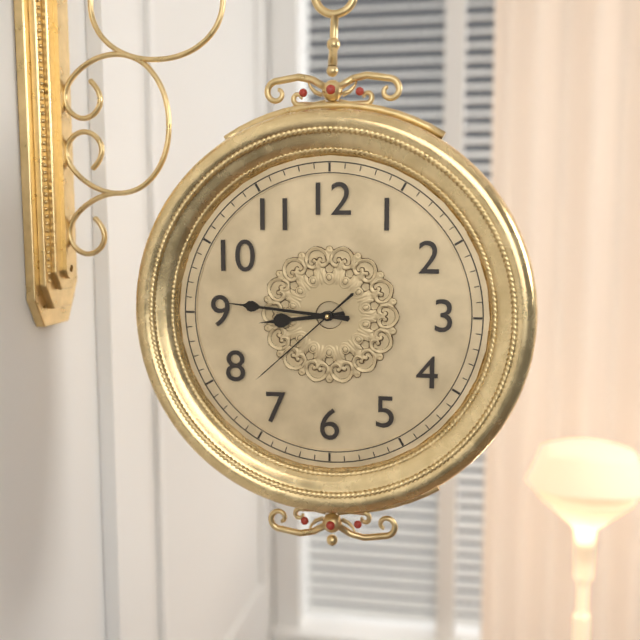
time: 8:46:38
